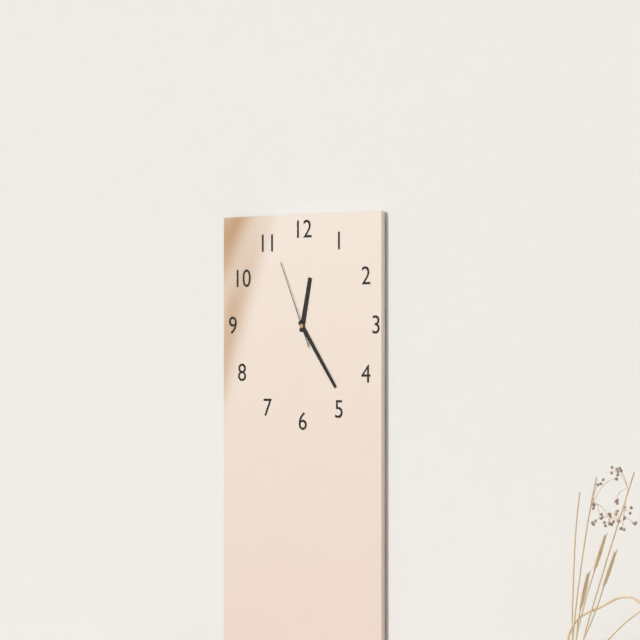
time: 12:24:56
